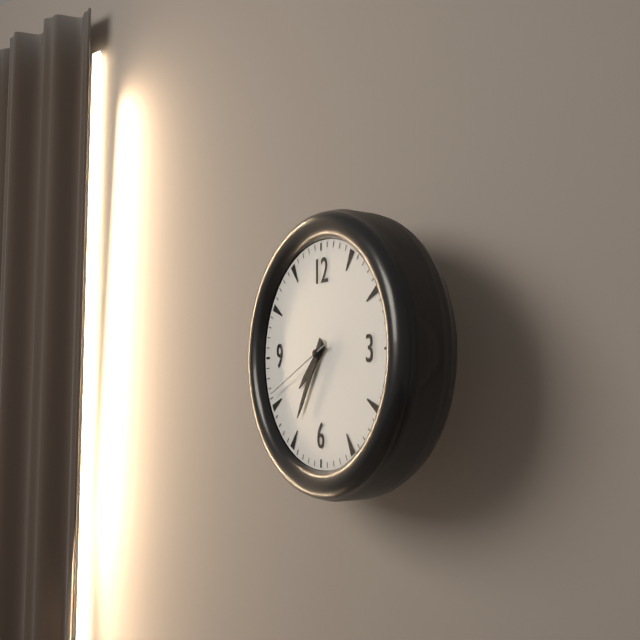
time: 7:35:41
